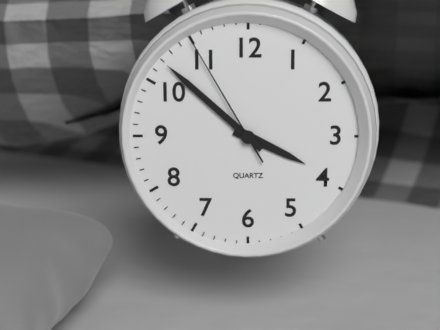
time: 3:52:55
